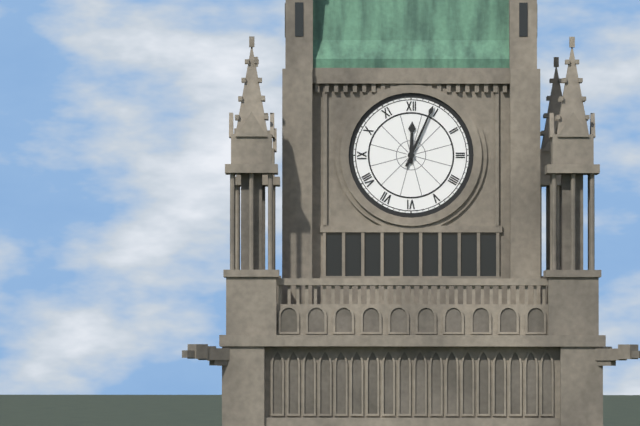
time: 12:04
